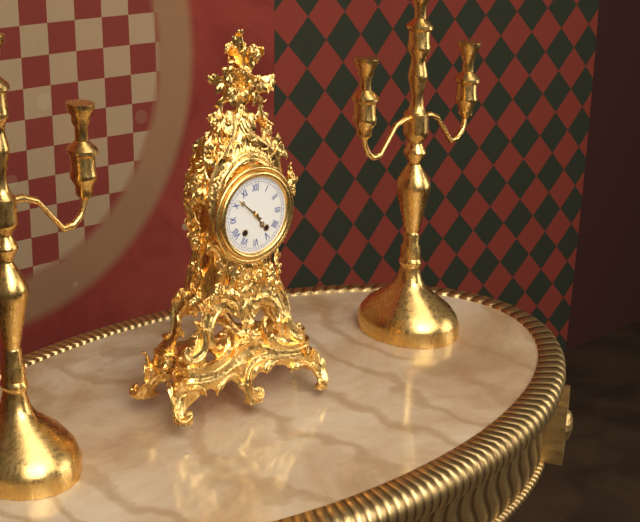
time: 4:52
